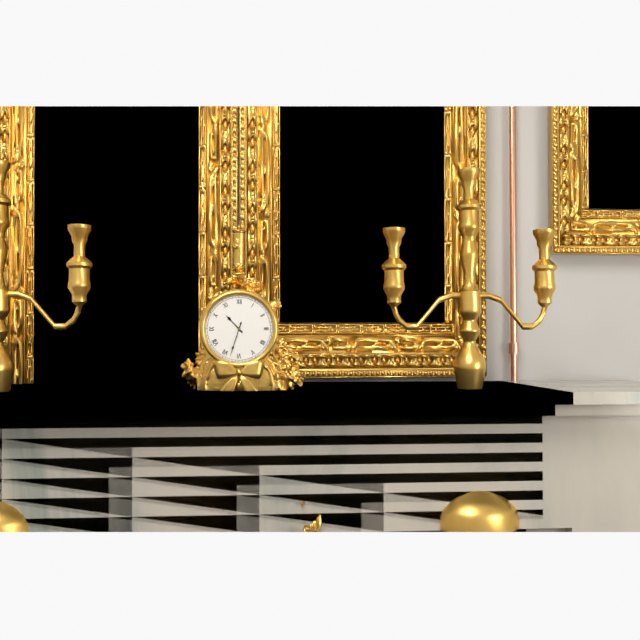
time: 10:33
